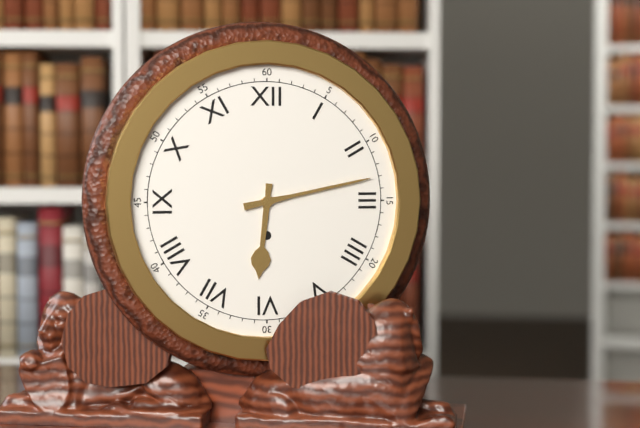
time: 6:13
